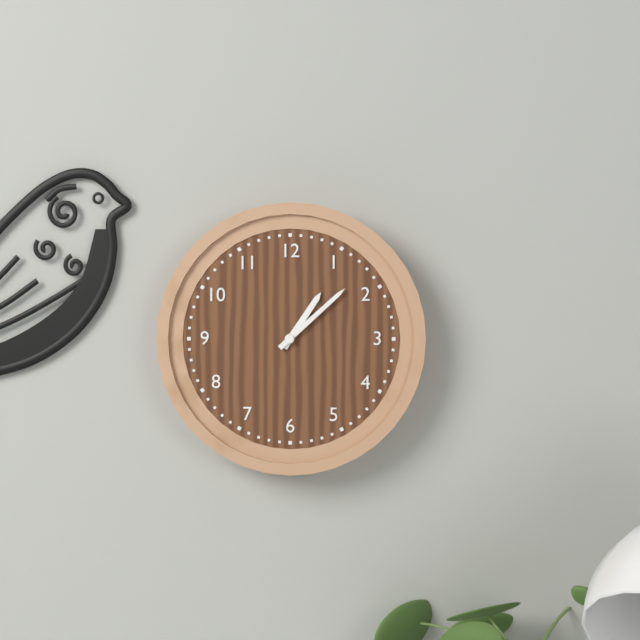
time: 1:08
